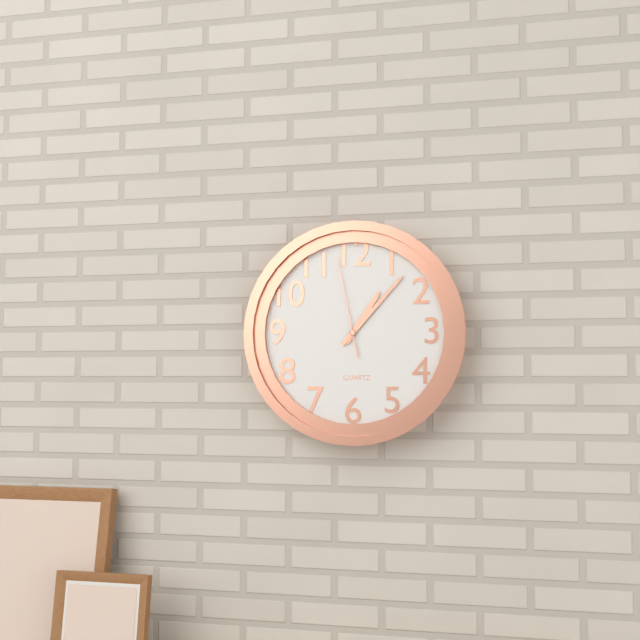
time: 1:07:58
